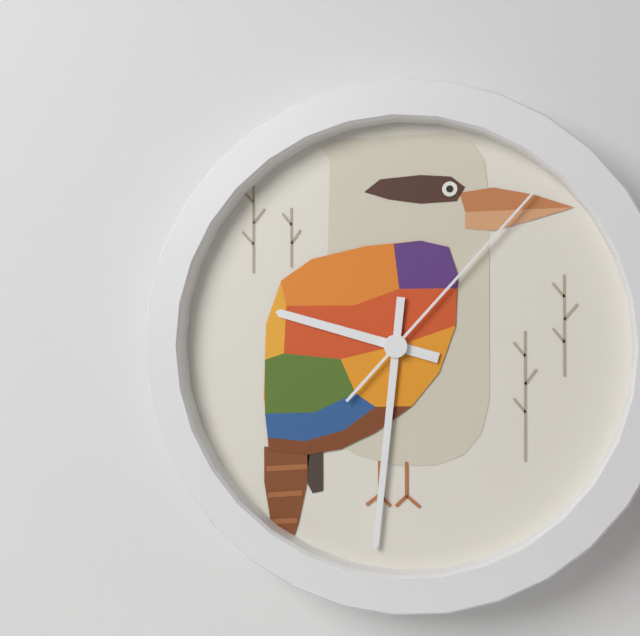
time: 9:31:07
